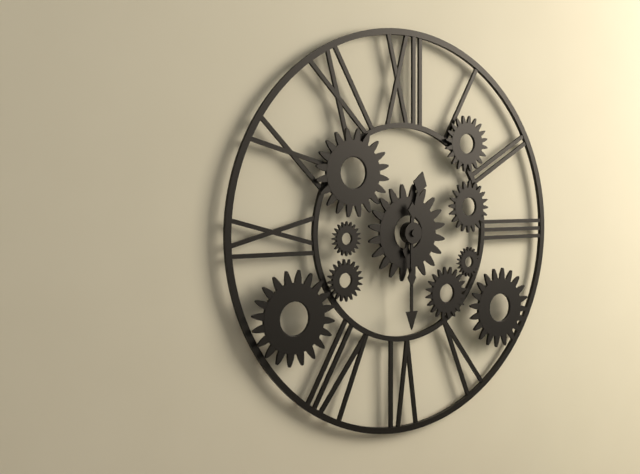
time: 12:30
